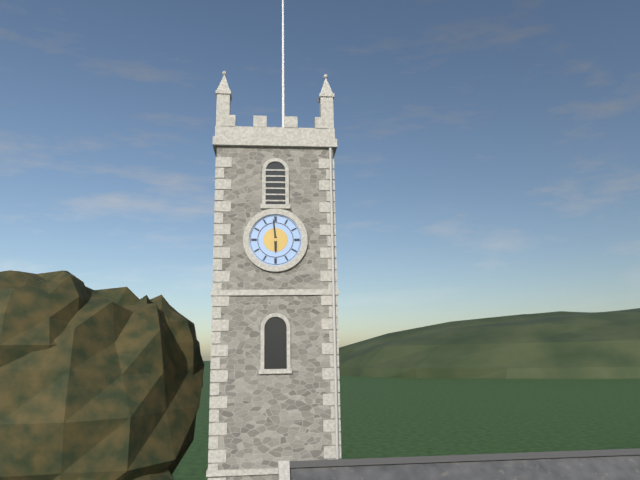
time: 5:59
